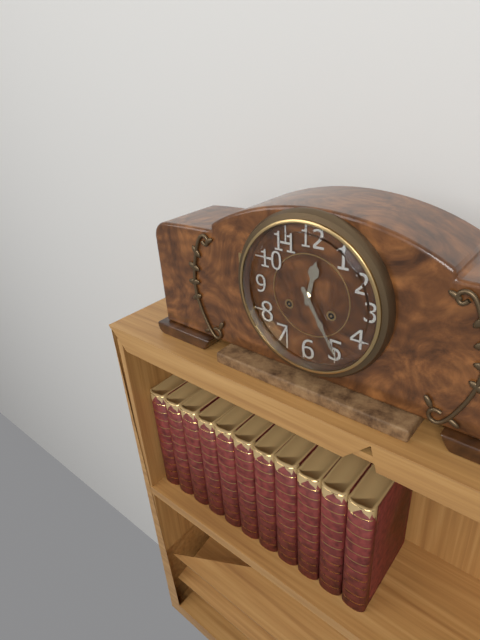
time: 12:25
